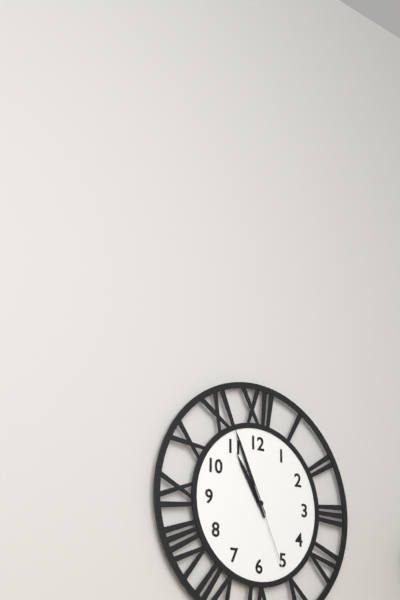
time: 10:56:26
